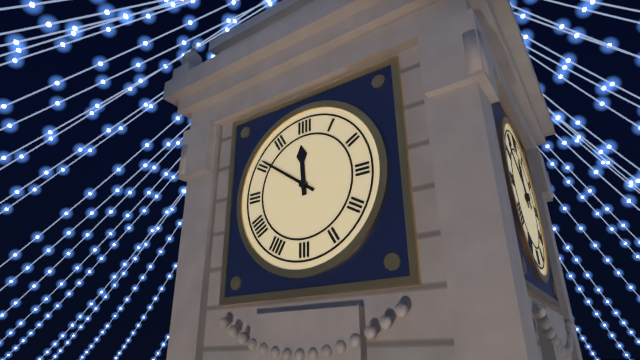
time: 11:51
